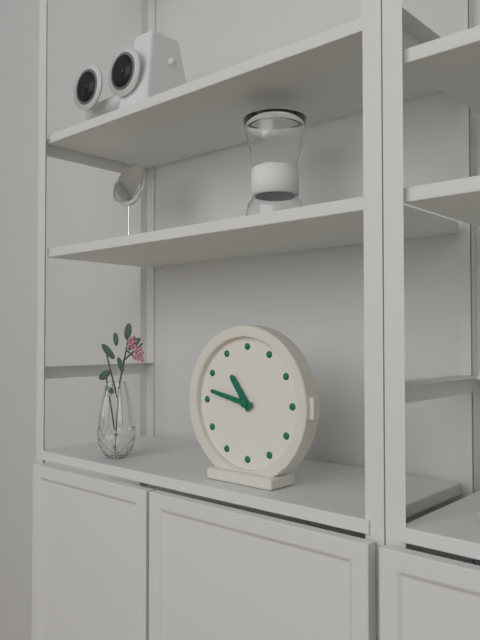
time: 10:47
